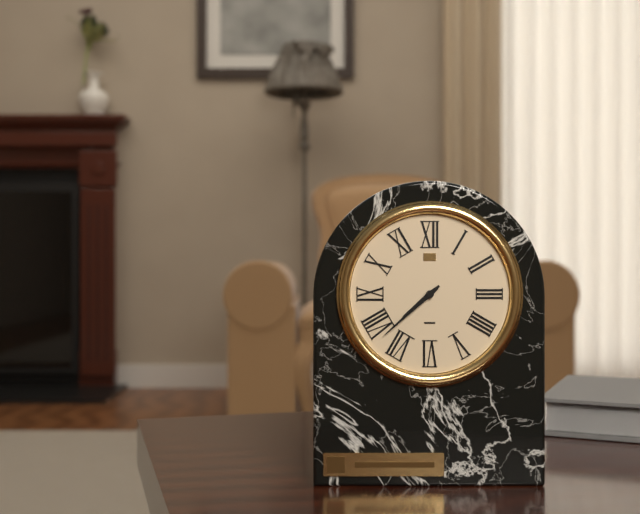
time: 7:38
